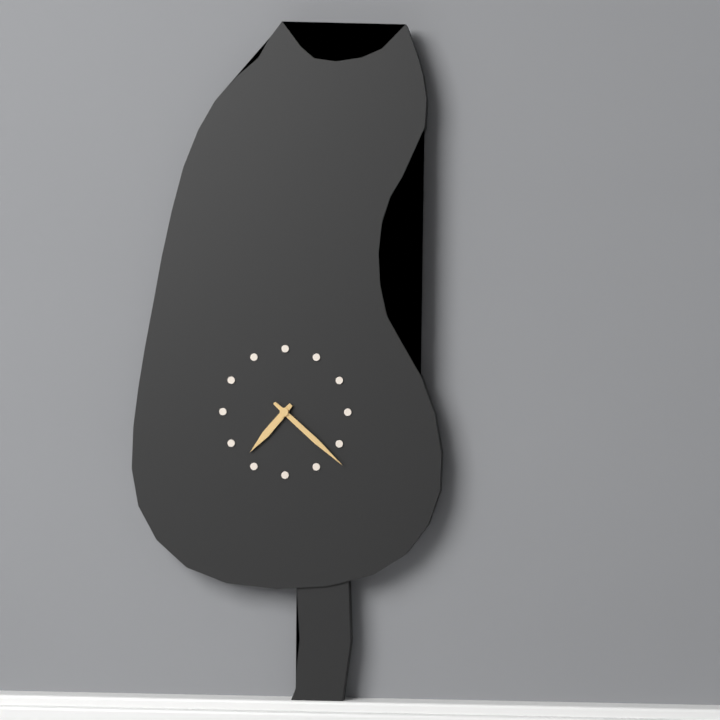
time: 7:22
